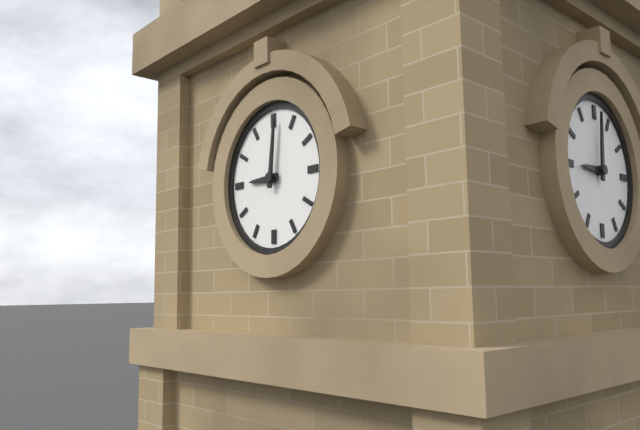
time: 9:01
